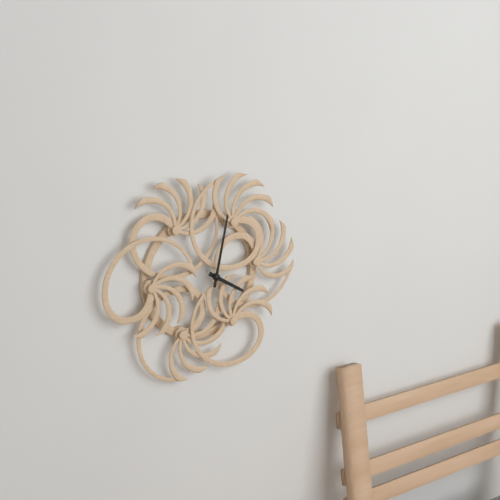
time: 4:02
